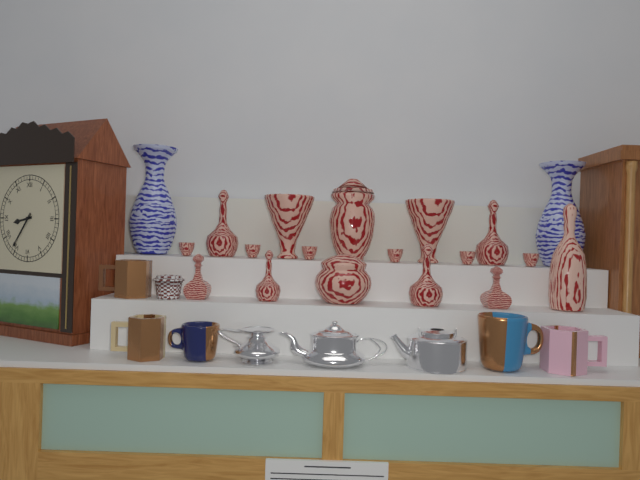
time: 8:36
